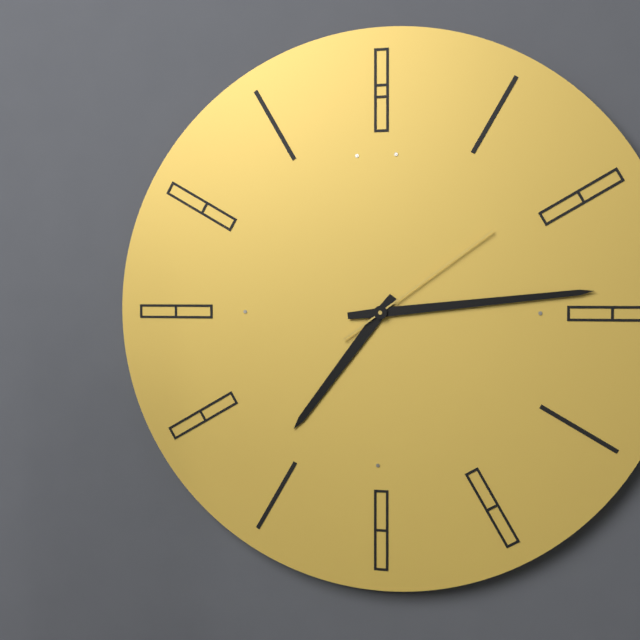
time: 7:14:09
